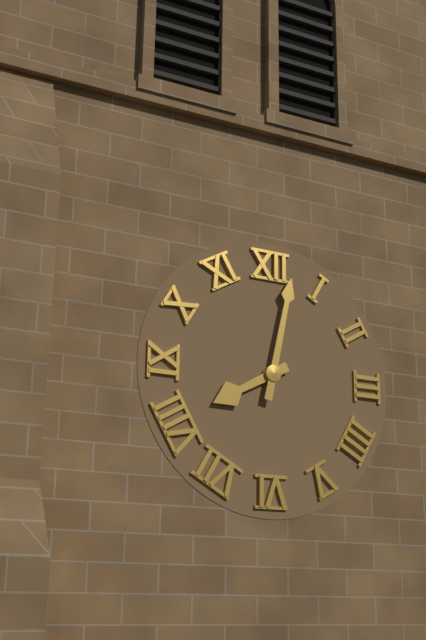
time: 8:02
